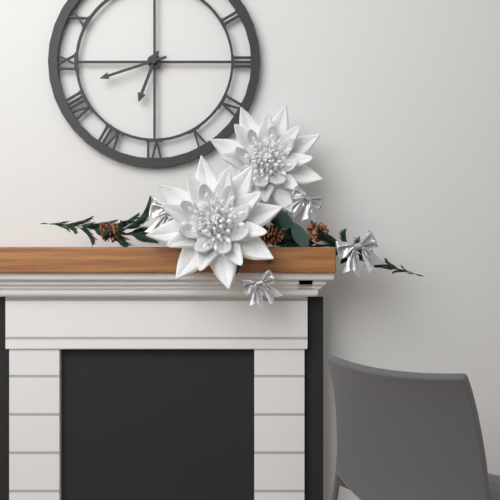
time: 6:42
